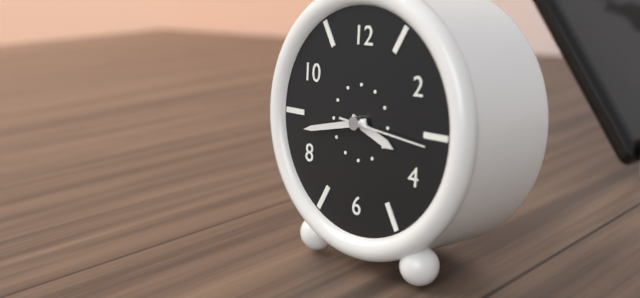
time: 3:43
